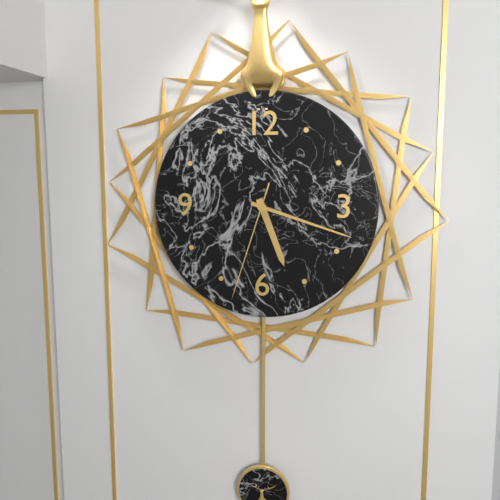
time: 5:18:33
